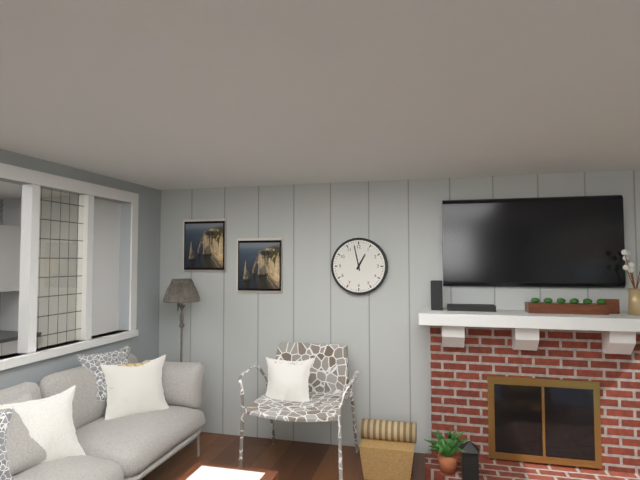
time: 12:58
